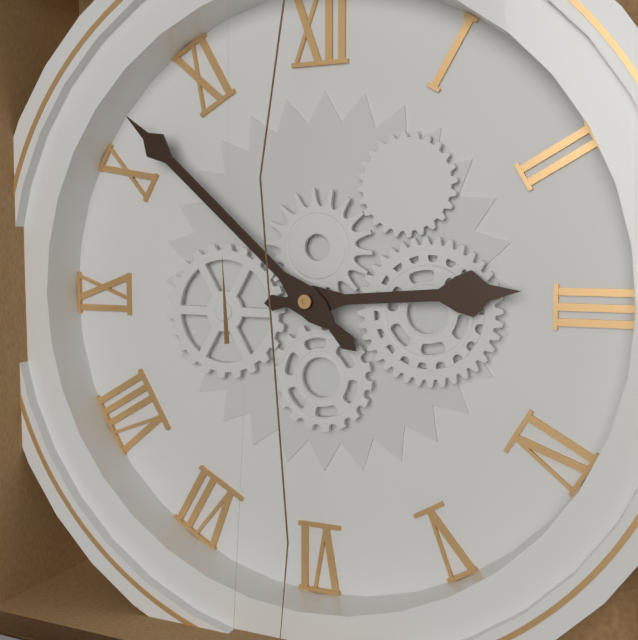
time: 2:52
